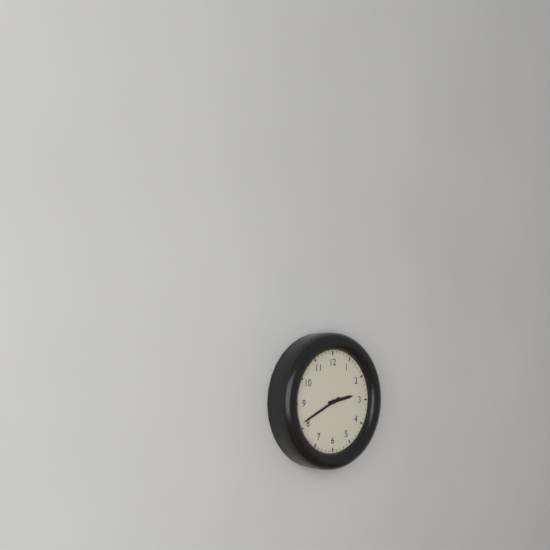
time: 2:41
